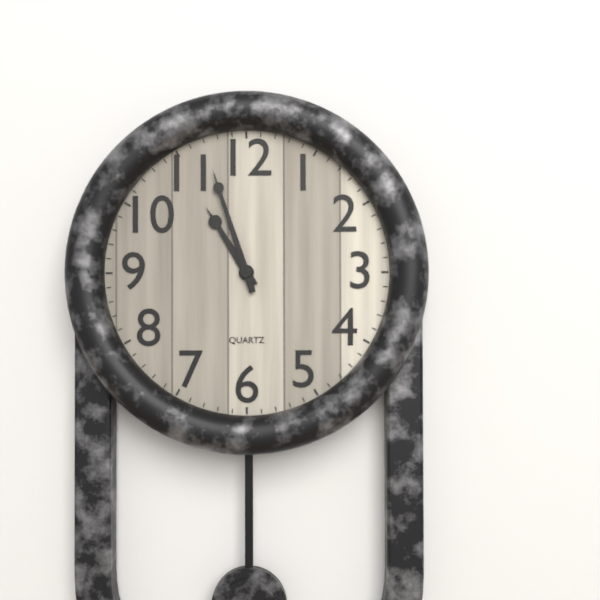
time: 10:57
